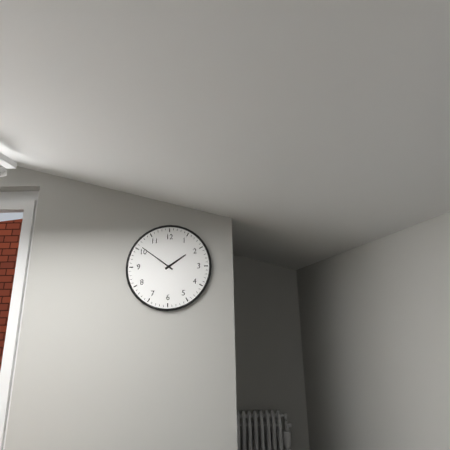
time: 1:51
